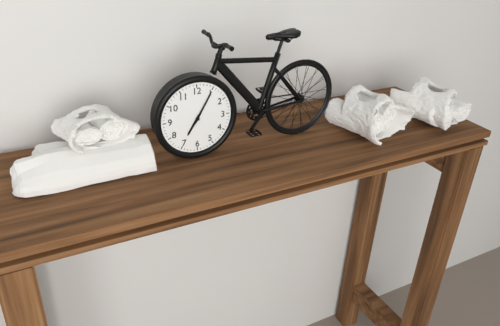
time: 7:05
